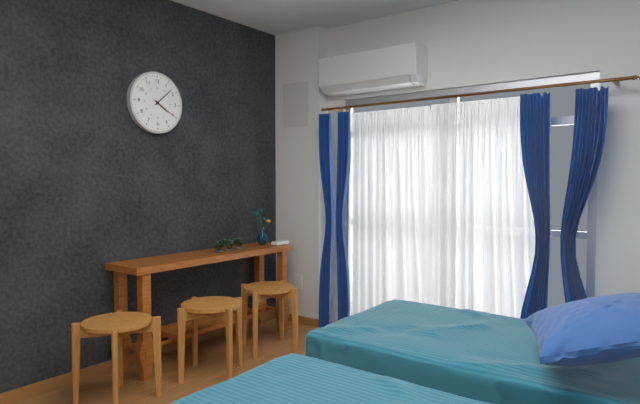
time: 4:08
